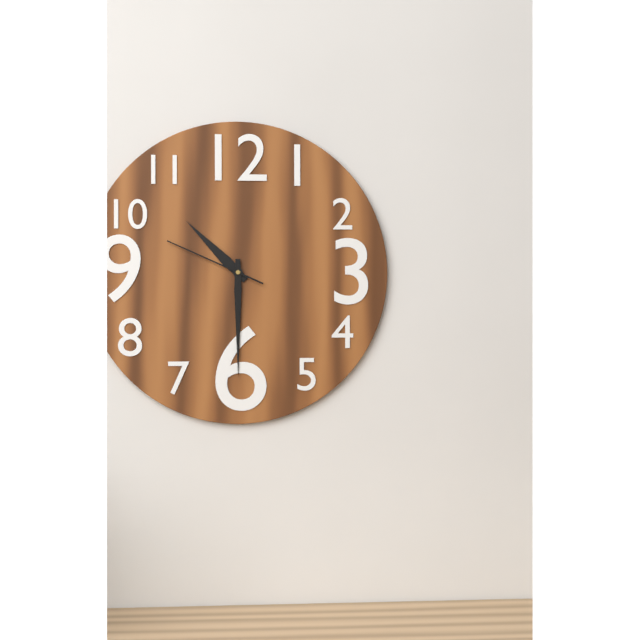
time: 10:30:49
